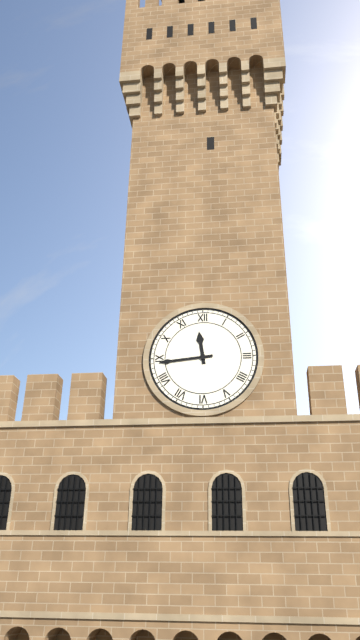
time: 11:44
